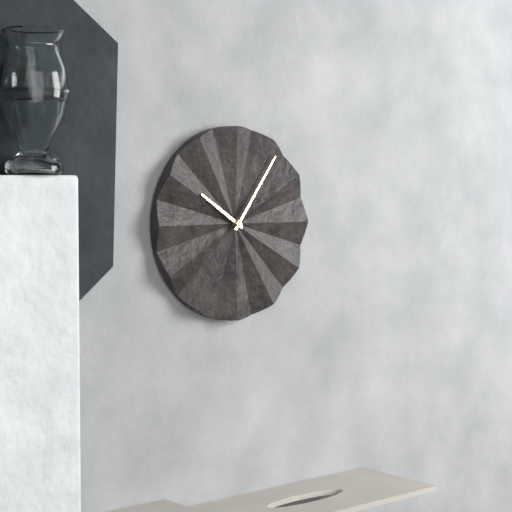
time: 10:06
